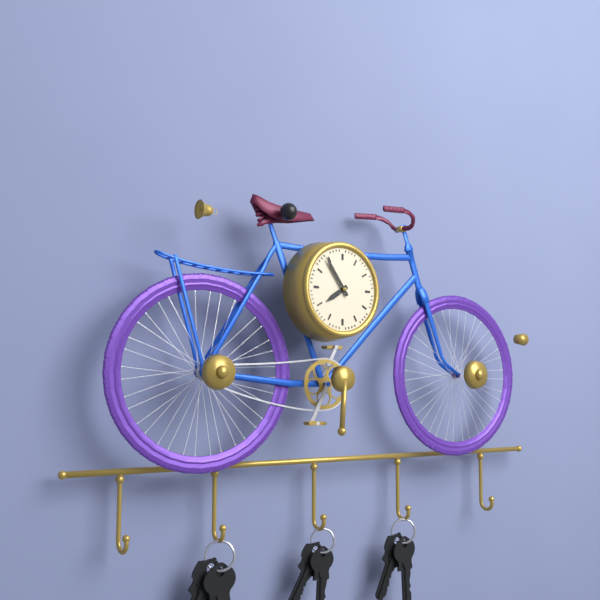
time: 7:54
